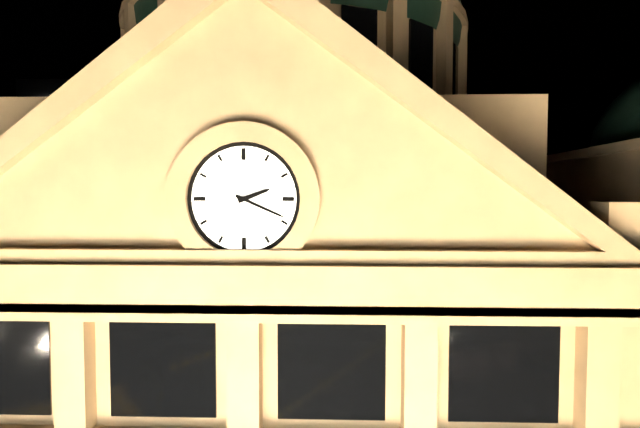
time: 2:19
